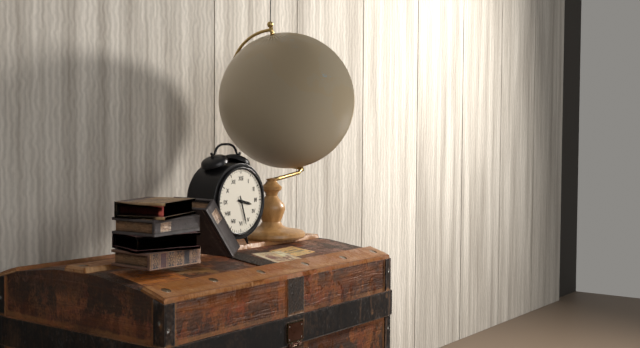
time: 3:27
